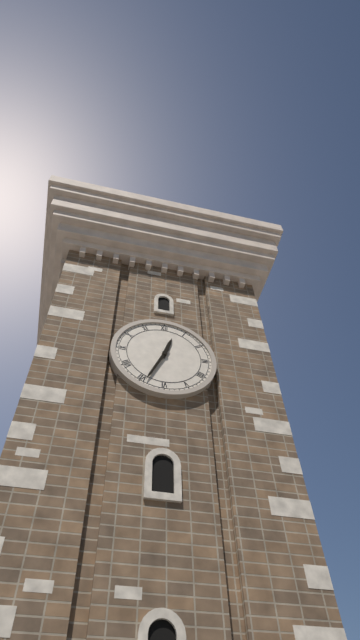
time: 12:34
